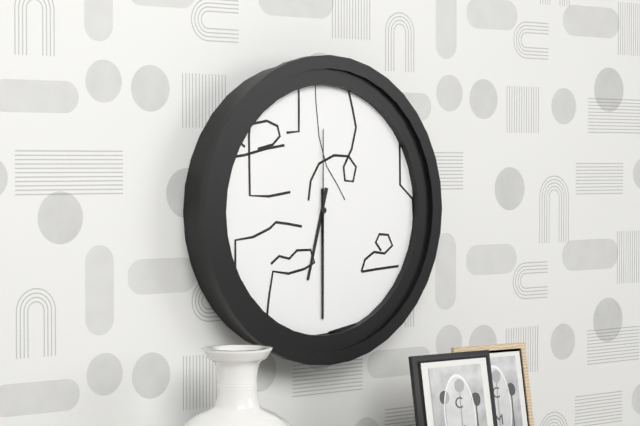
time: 6:30:00
